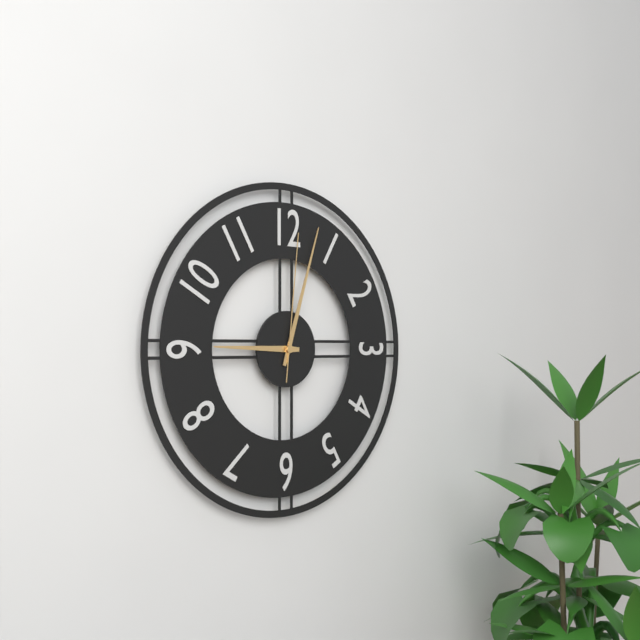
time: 9:03:01
